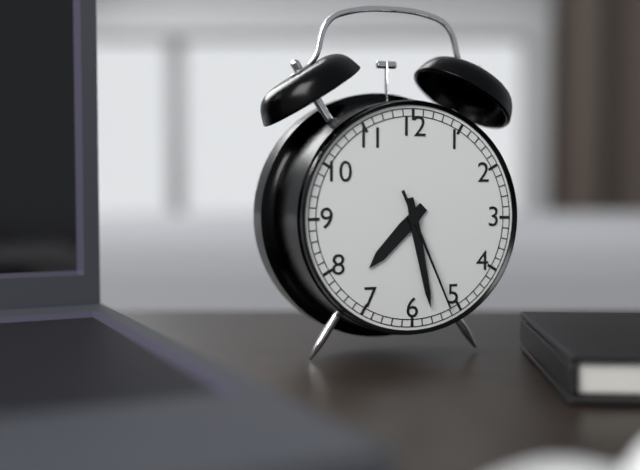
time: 7:28:26
